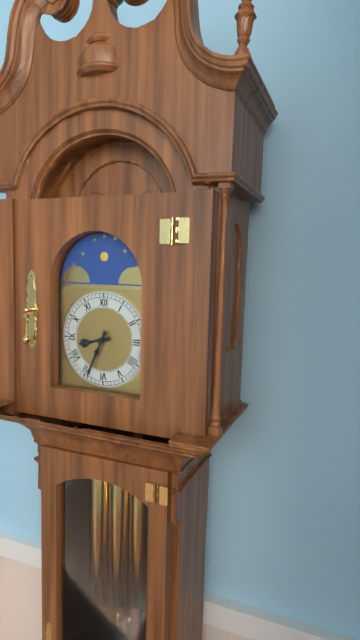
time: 8:34
